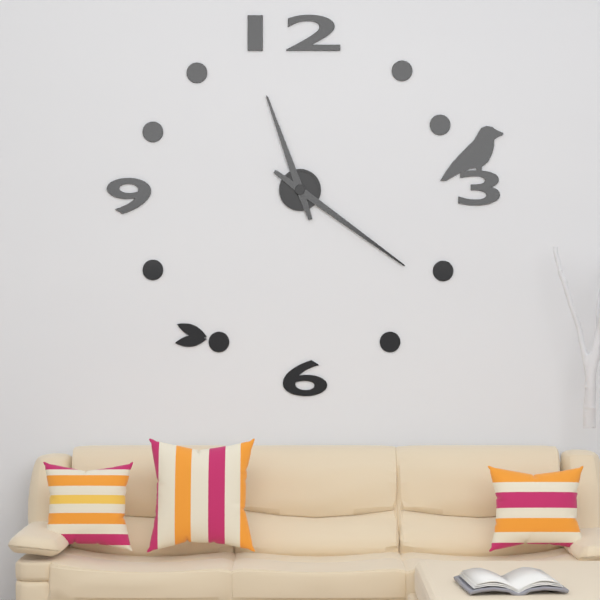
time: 11:21
